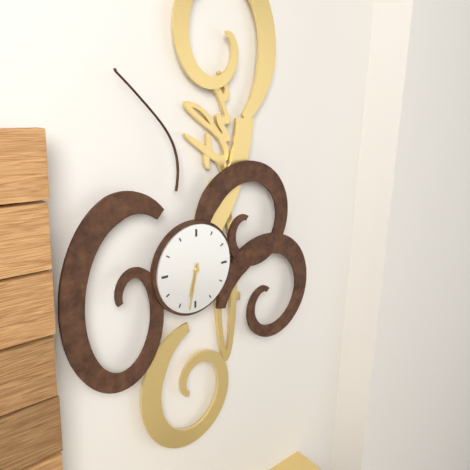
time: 6:32
